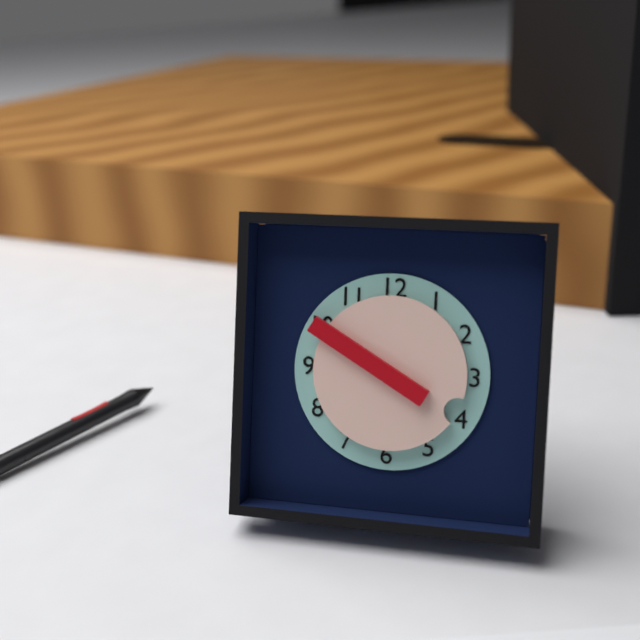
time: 3:50
